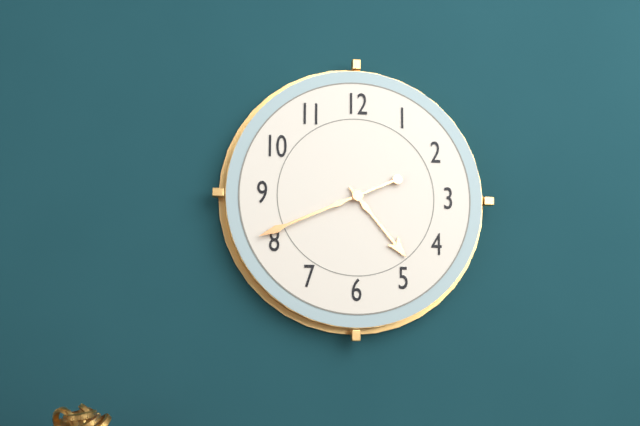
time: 4:41
